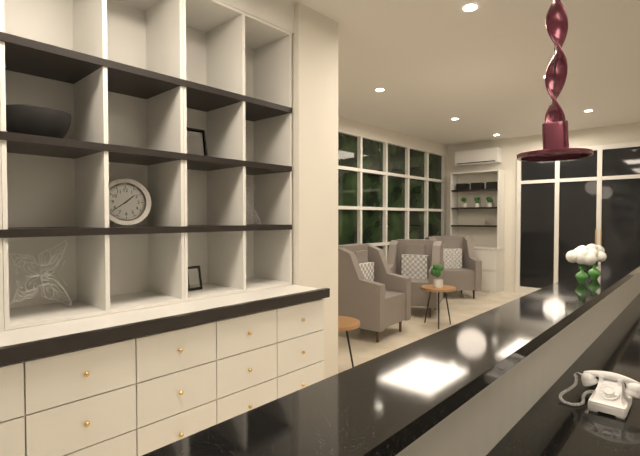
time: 1:39
